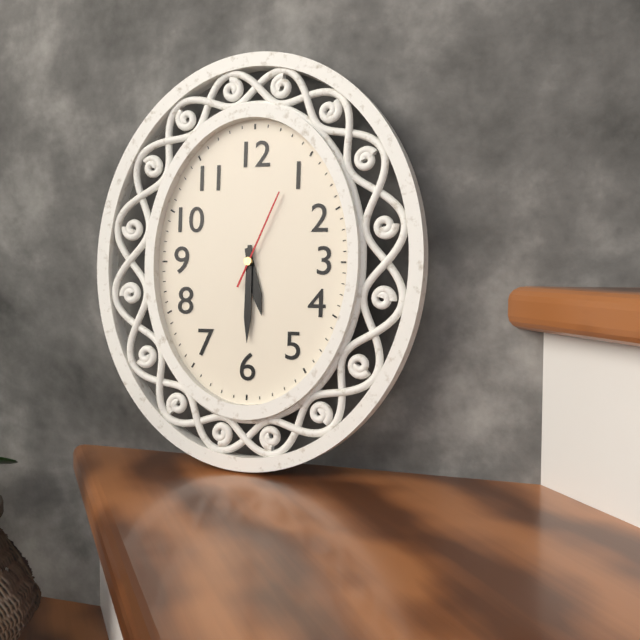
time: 5:30:04
